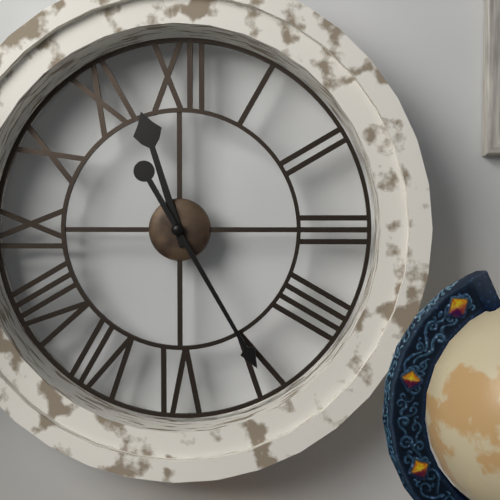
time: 11:25
